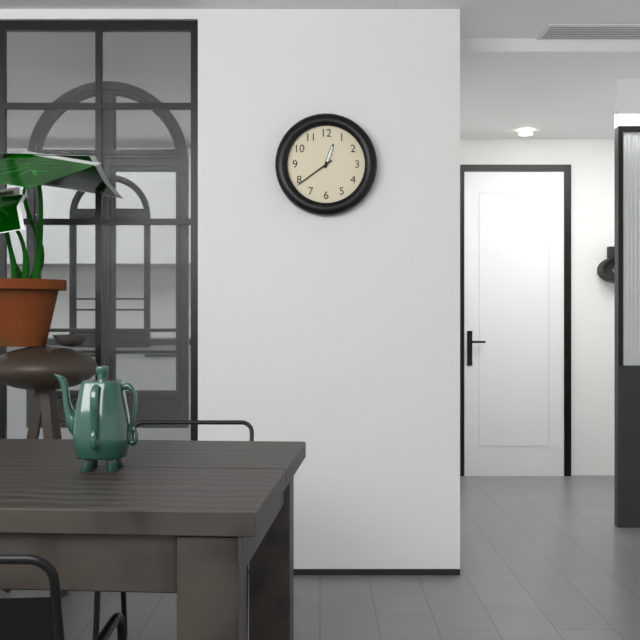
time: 12:39
